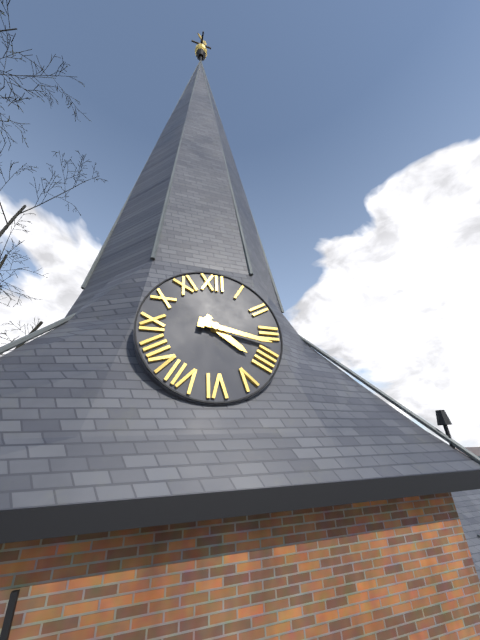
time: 4:17
